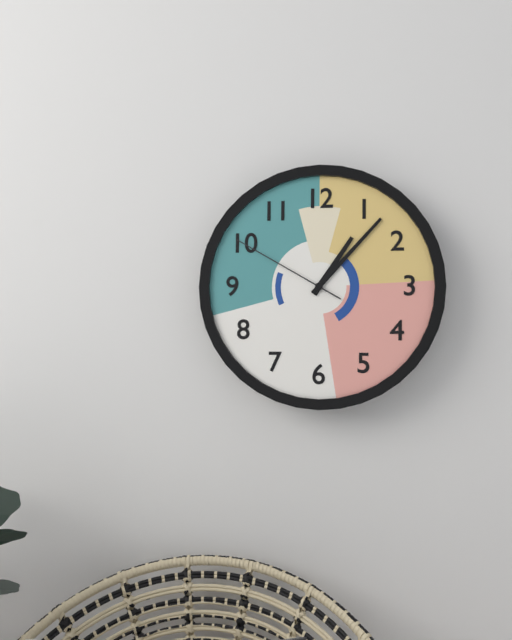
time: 1:07:50
